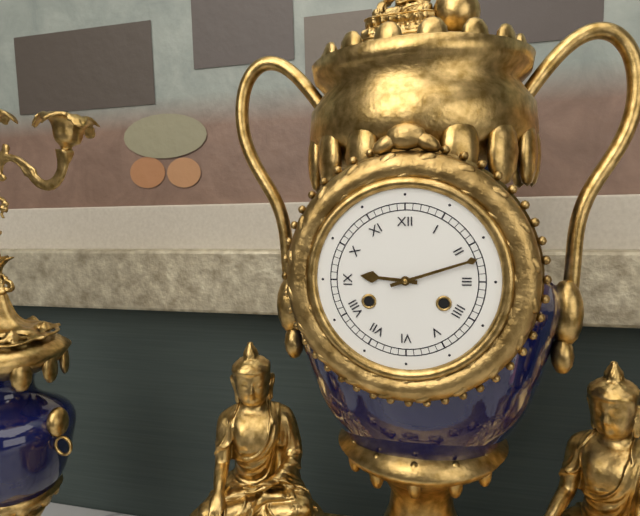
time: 9:12
